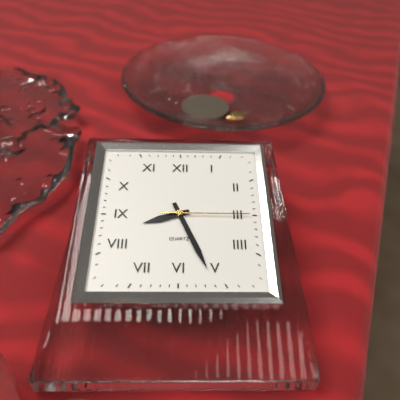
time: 8:26:15
